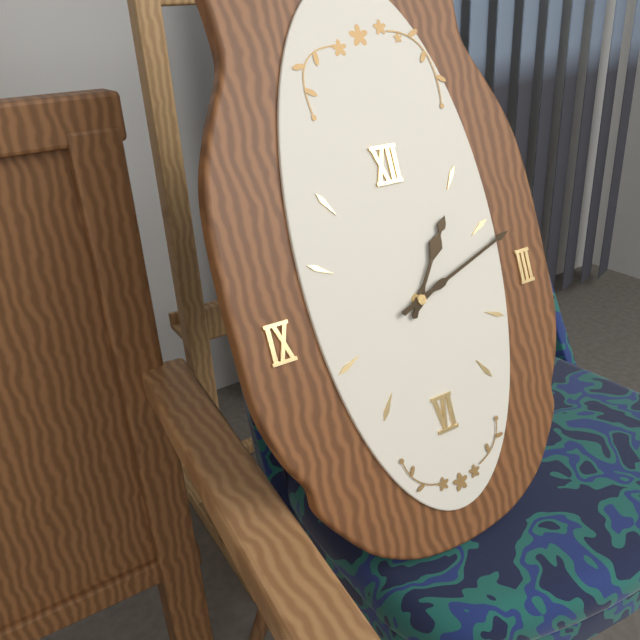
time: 1:12
